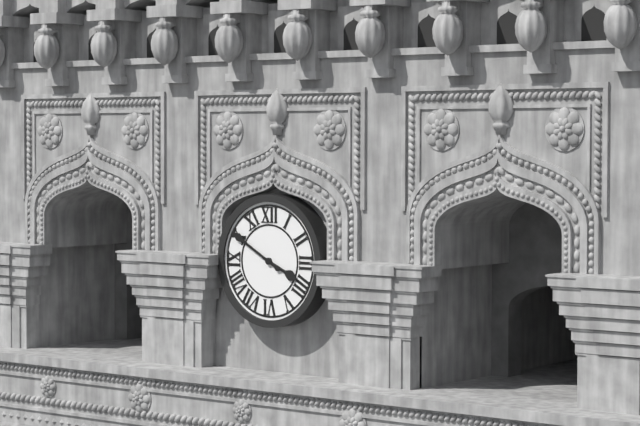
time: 3:50
